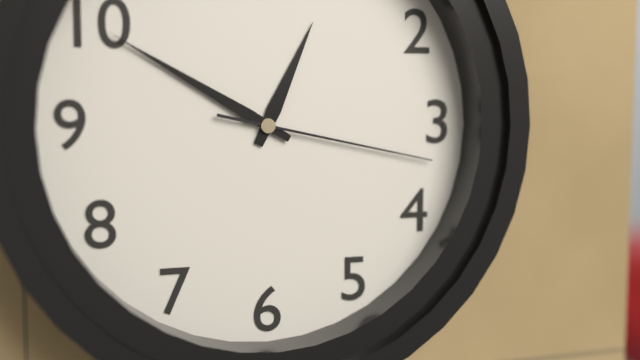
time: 12:50:17
